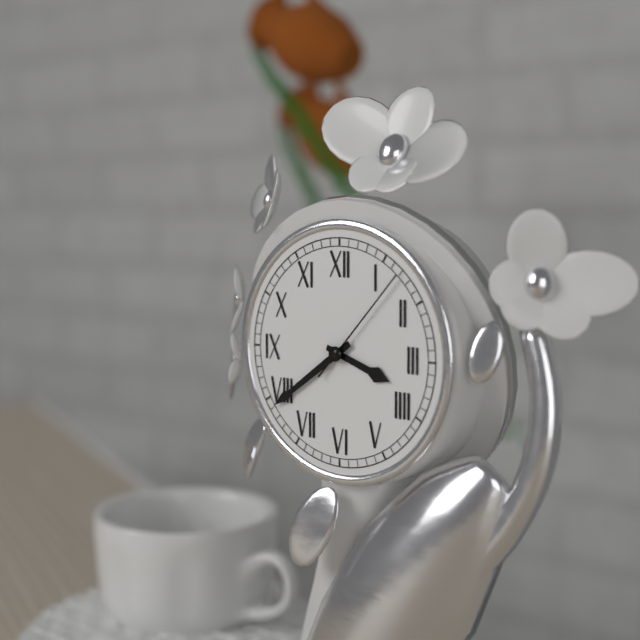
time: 3:39:07
